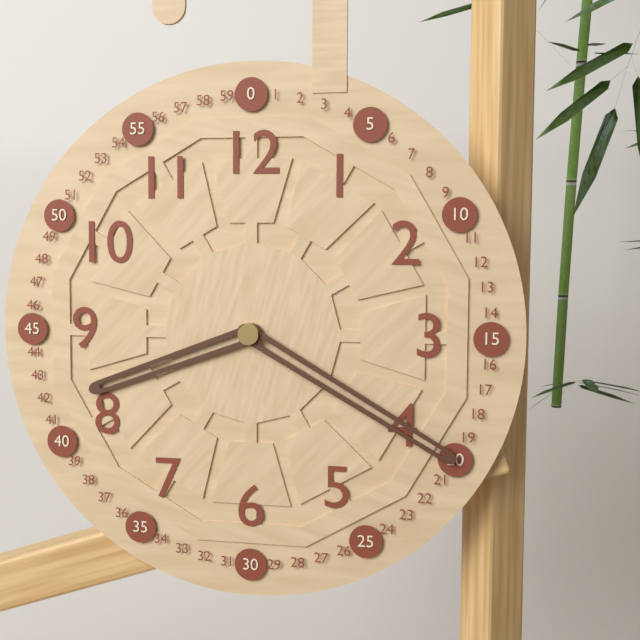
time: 8:20
